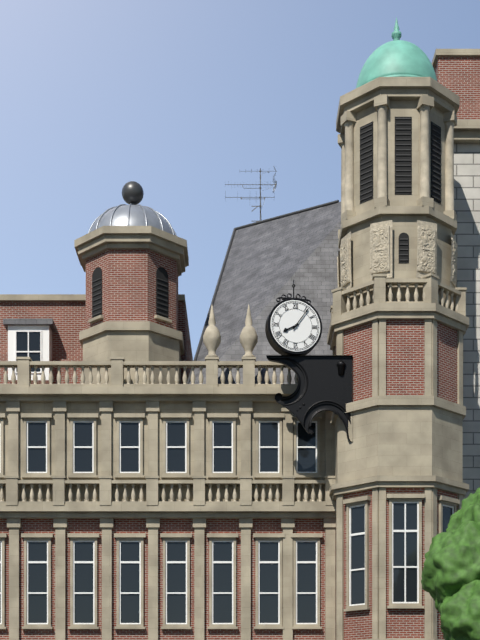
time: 8:06
